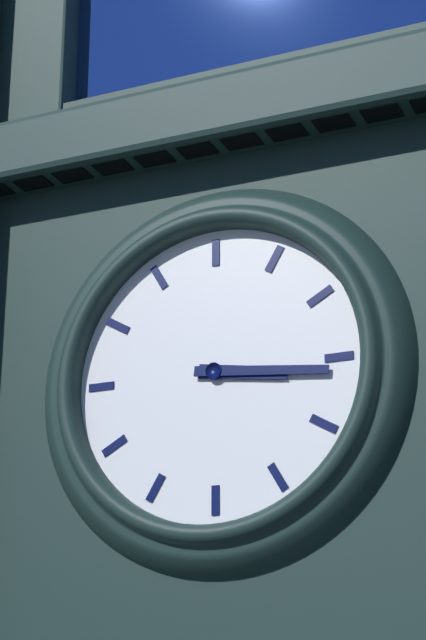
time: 3:16
